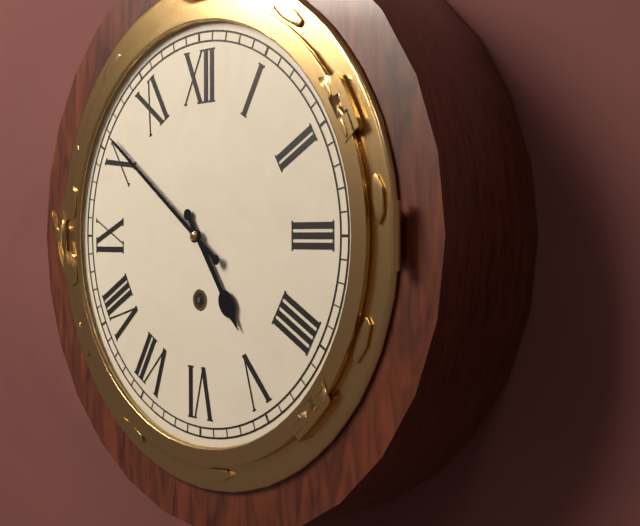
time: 4:51
